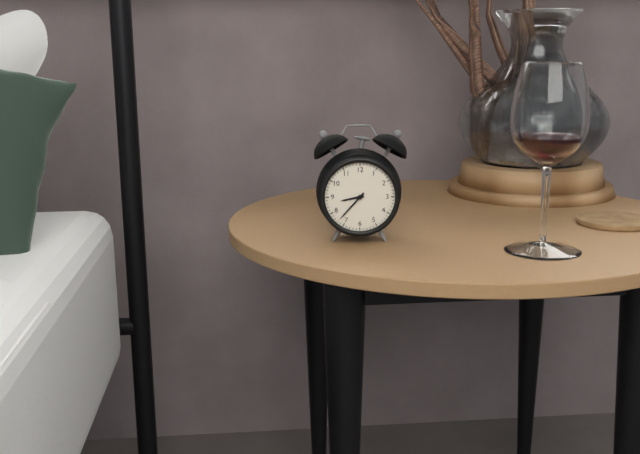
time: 8:37
